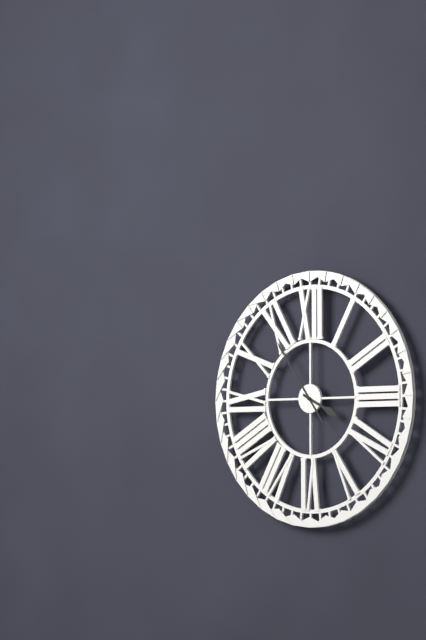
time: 3:54
